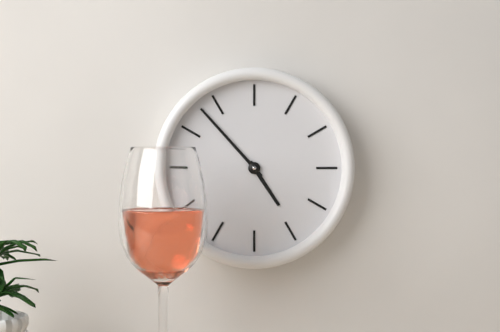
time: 4:53
